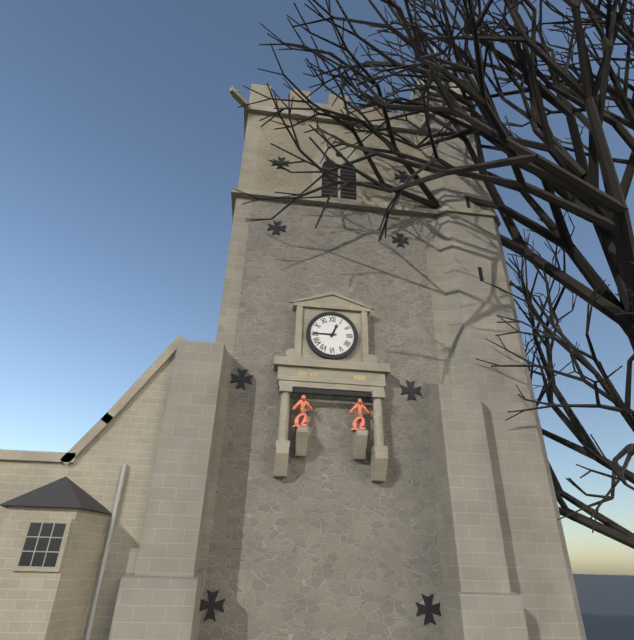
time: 12:45
